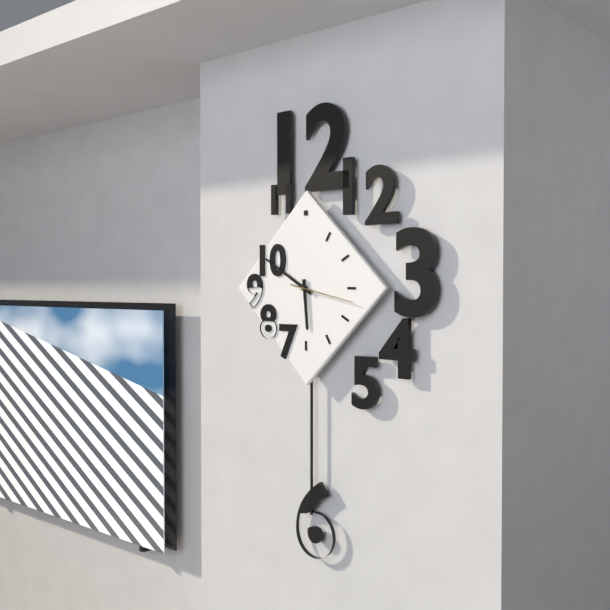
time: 5:50
